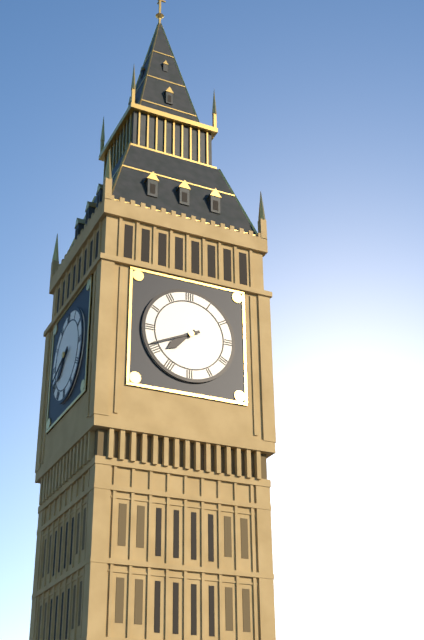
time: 7:41
